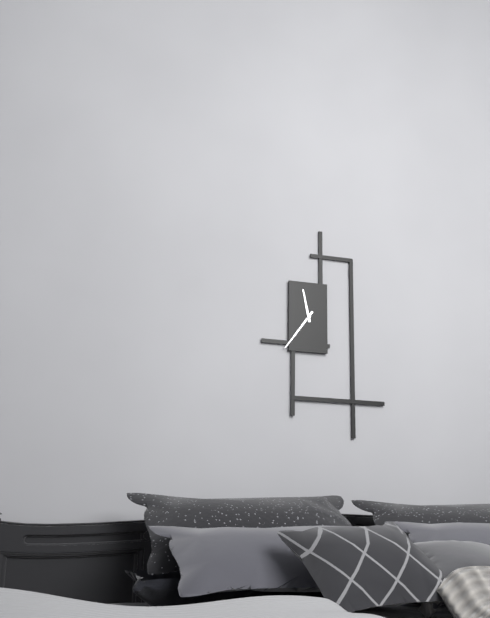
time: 11:36
